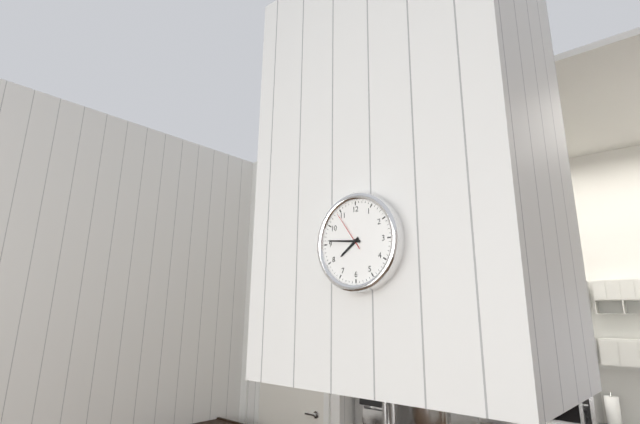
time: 7:46
